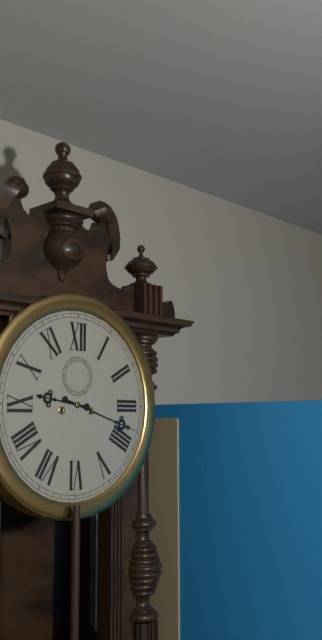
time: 9:18
